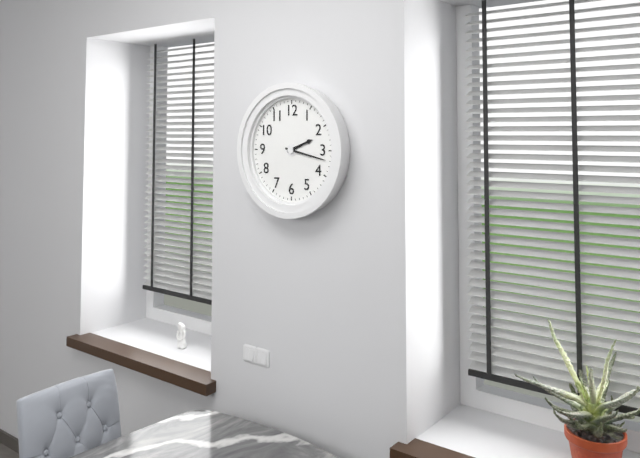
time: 2:17
